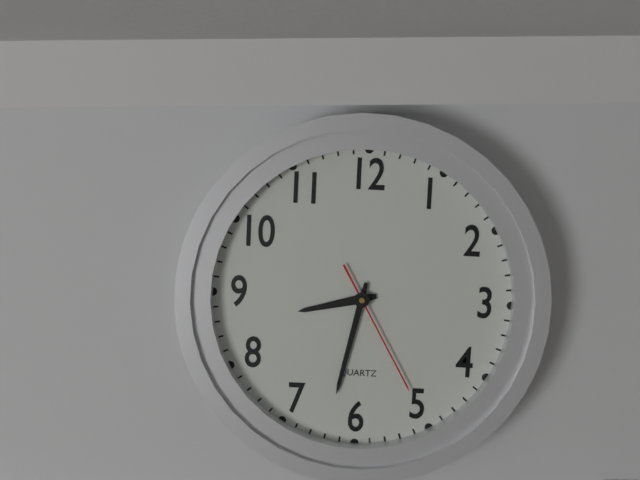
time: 8:32:25
